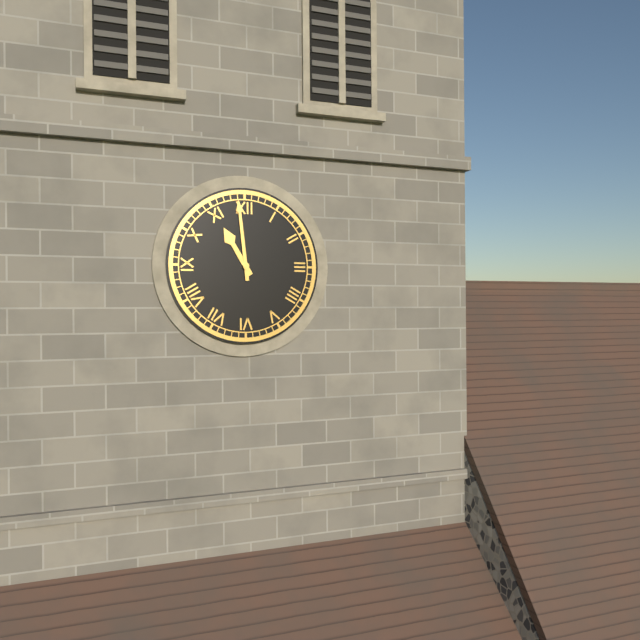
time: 10:59
